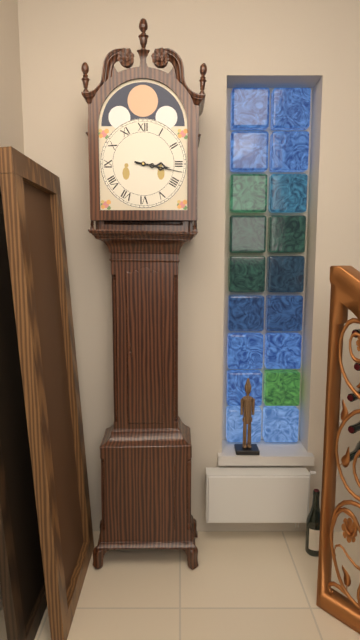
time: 3:17
